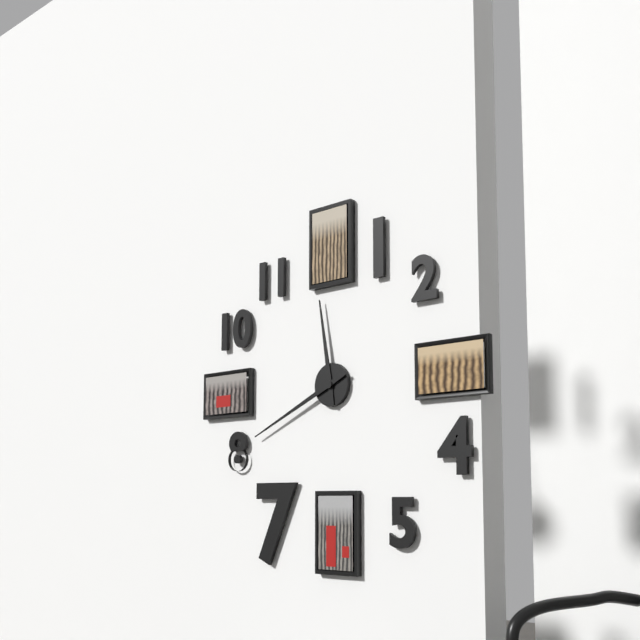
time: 11:41
